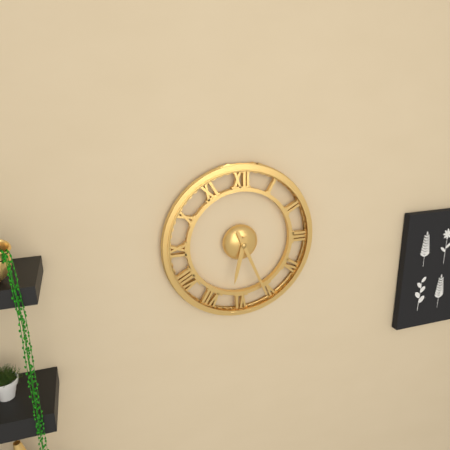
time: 6:26
